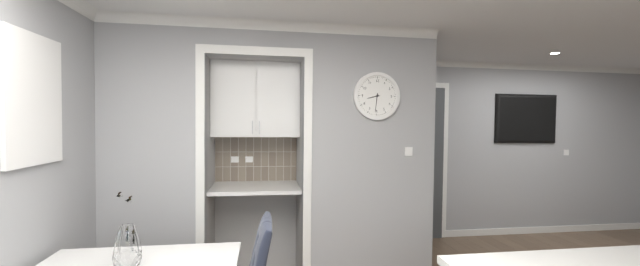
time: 8:31
